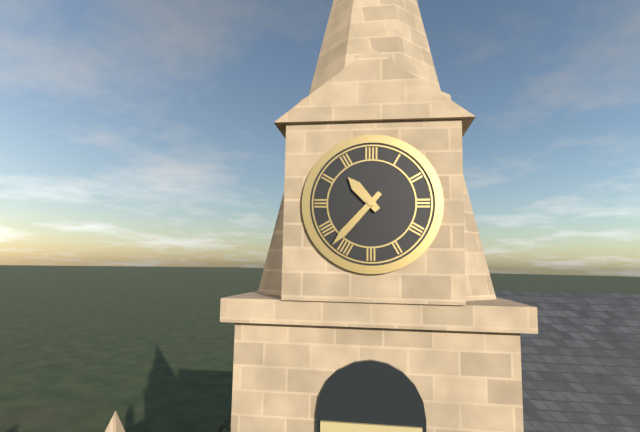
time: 10:37
